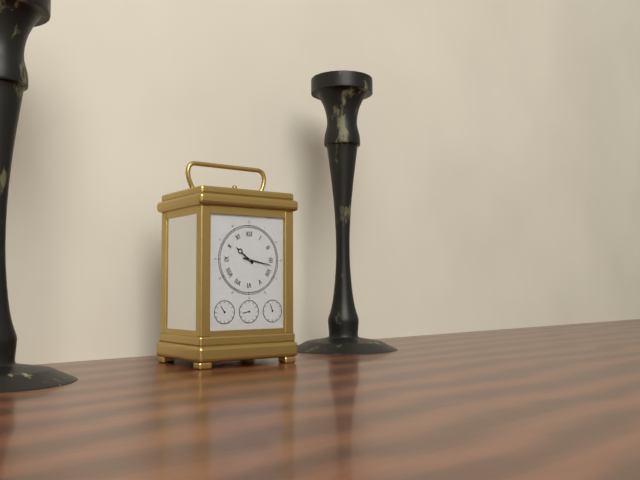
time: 10:17
